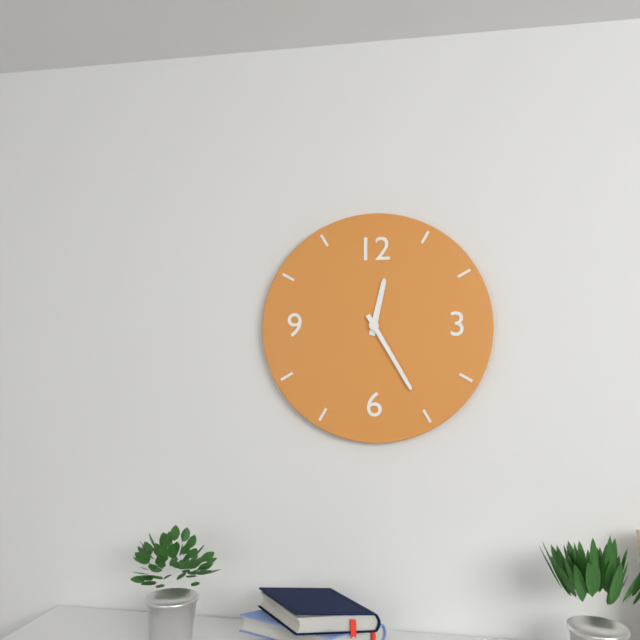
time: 12:25
